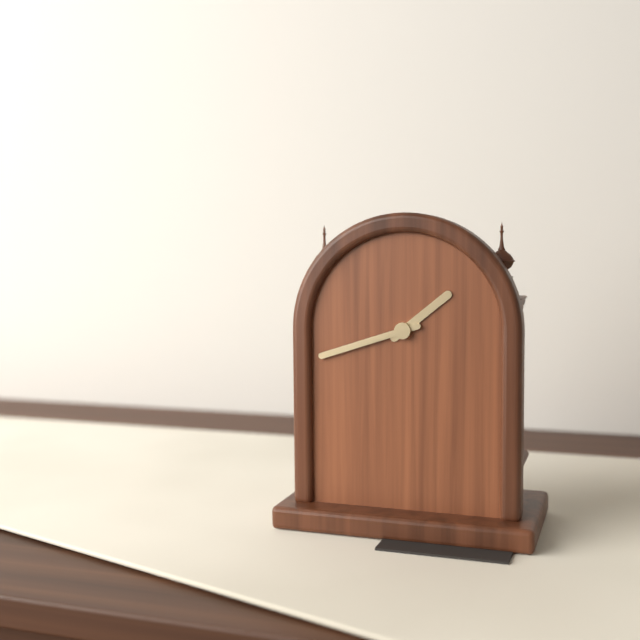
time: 1:42
